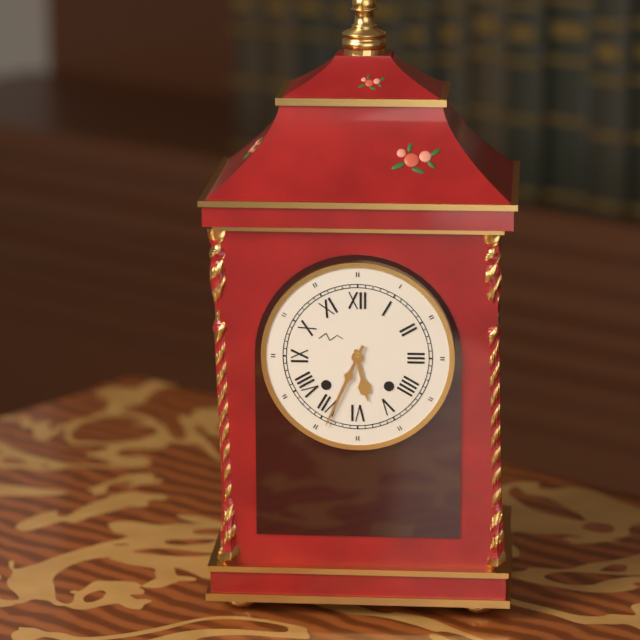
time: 5:34
